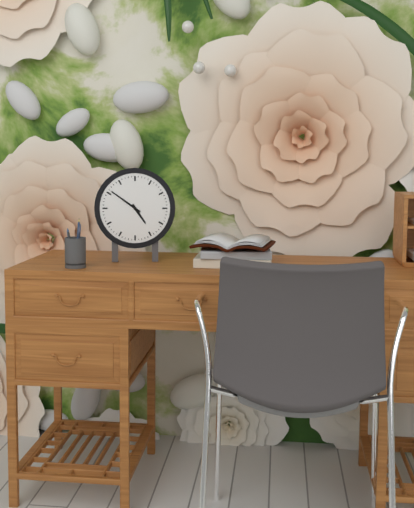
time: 4:51
